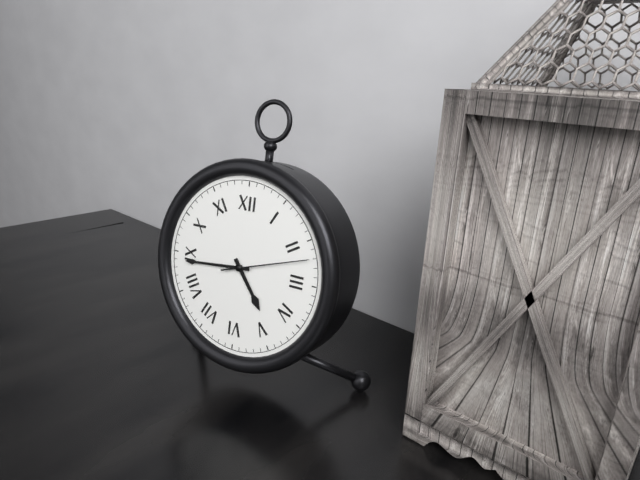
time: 4:44:12
